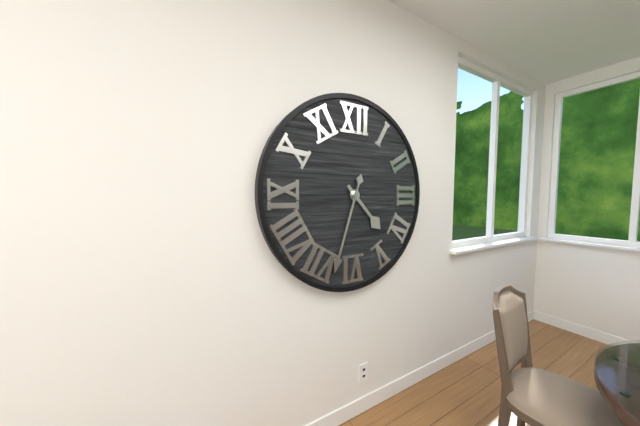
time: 4:33
